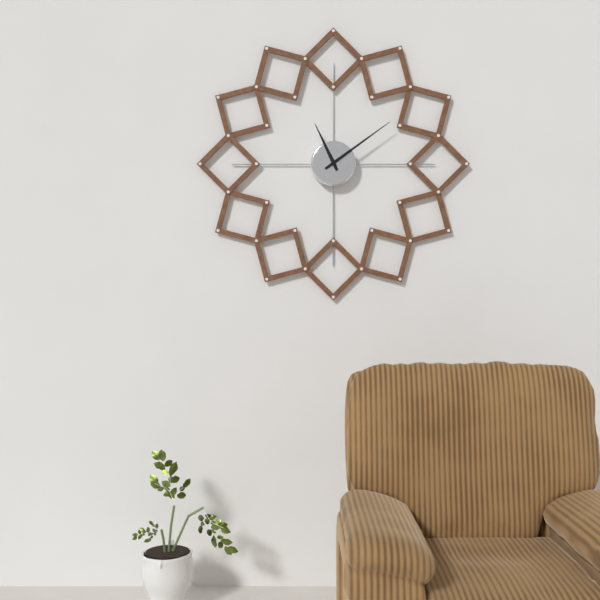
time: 11:09
